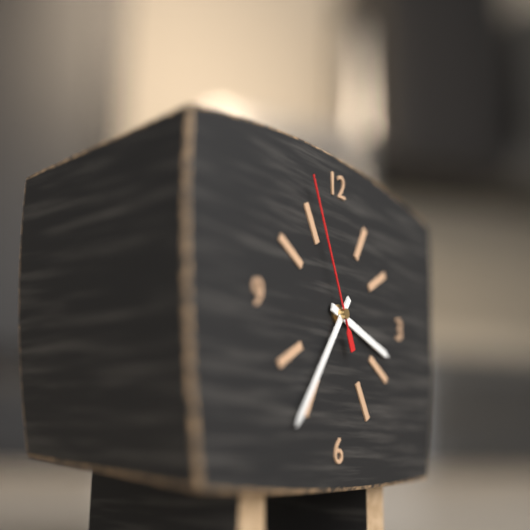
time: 3:36:56
